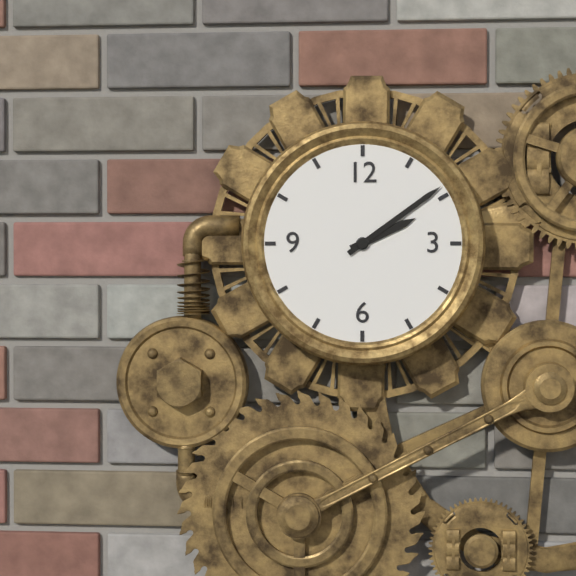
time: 2:09
